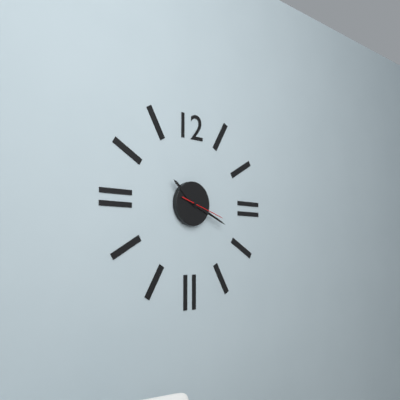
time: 10:19
